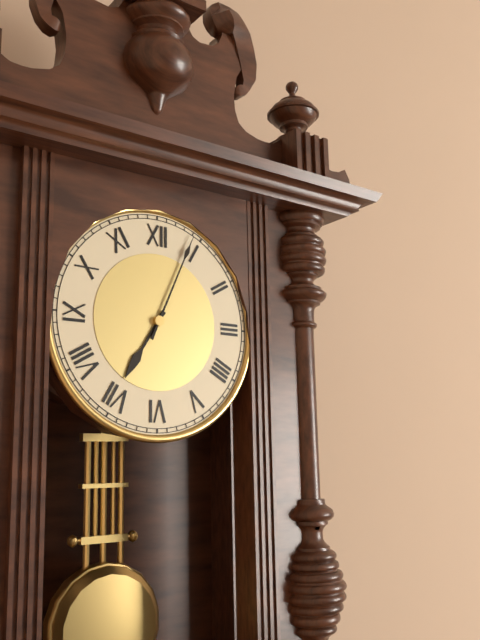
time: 7:04
